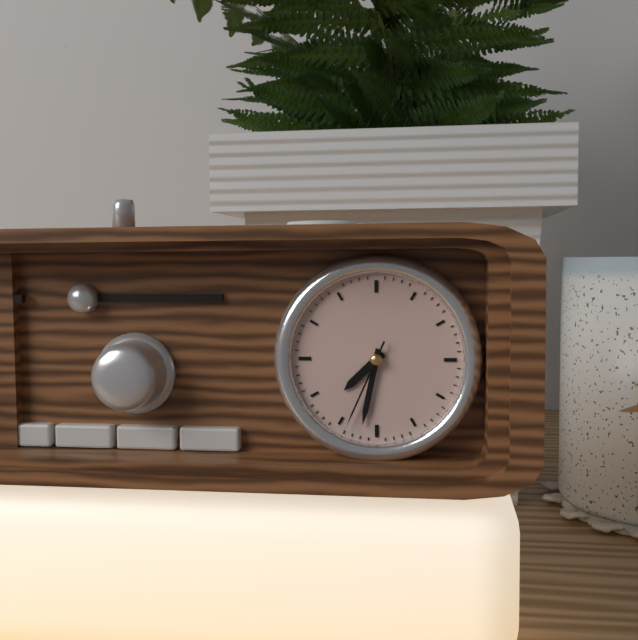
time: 7:32:34
